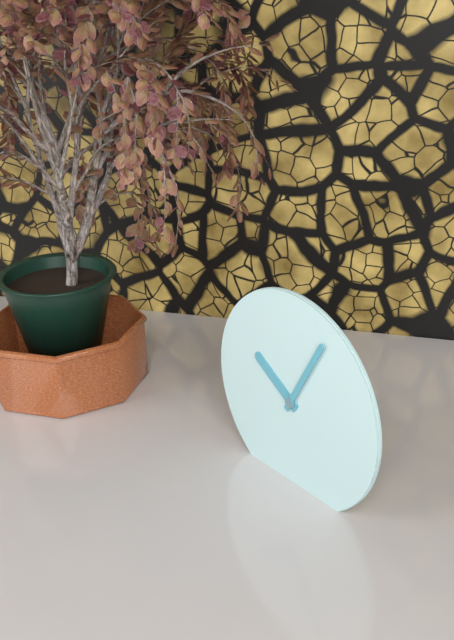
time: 10:05
